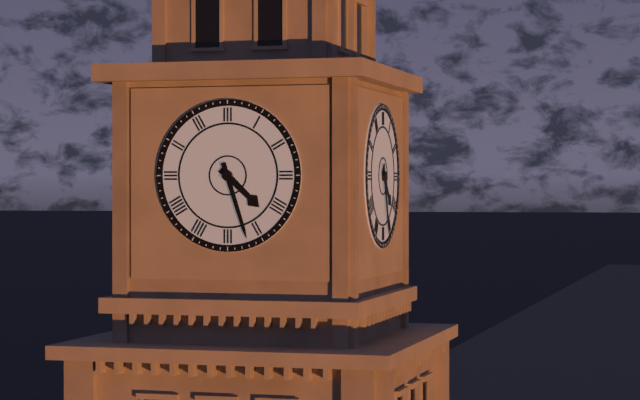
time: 4:27
